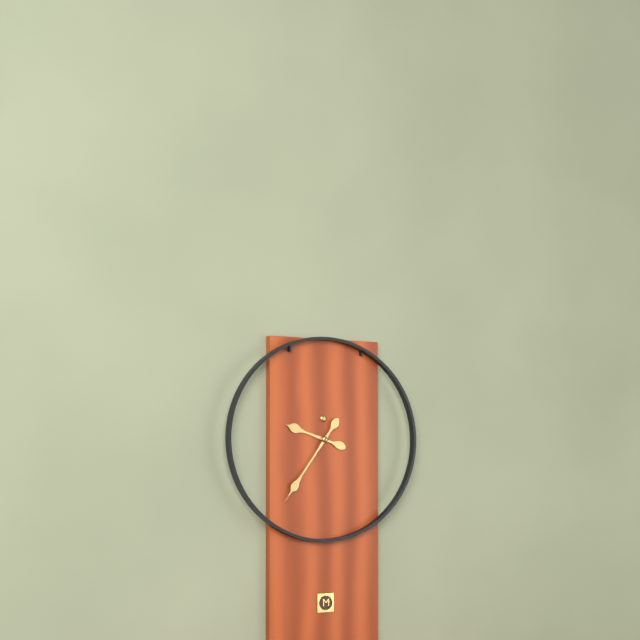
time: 9:36
